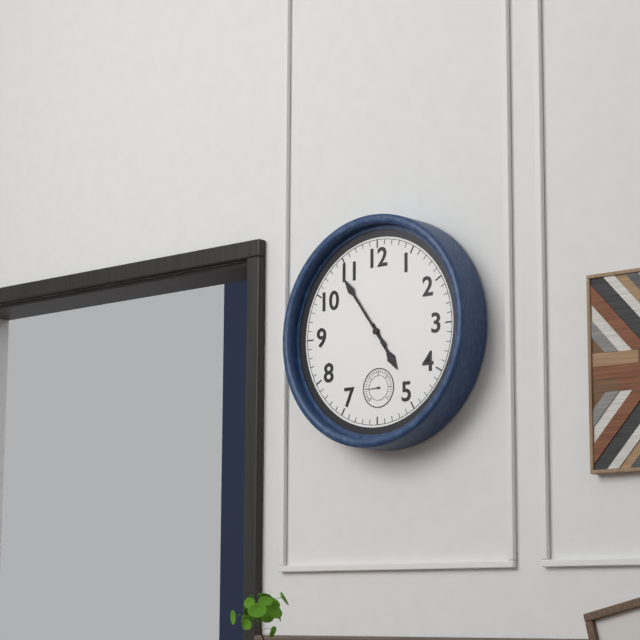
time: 4:54
